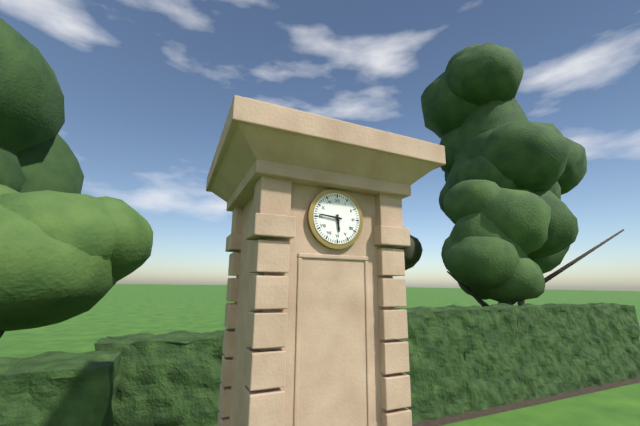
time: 5:46
